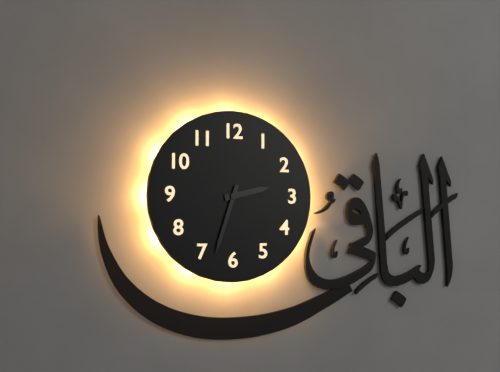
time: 2:33
